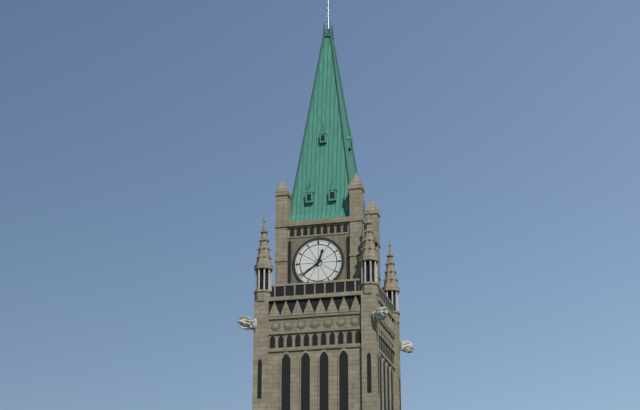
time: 12:39
